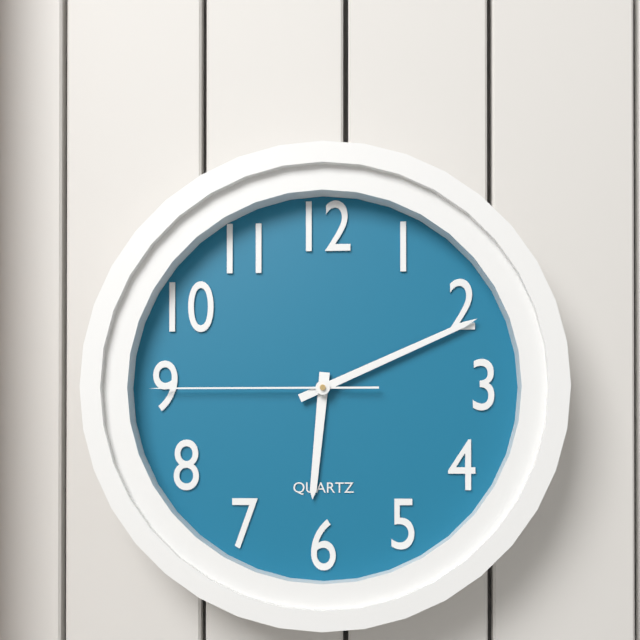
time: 6:11:45
